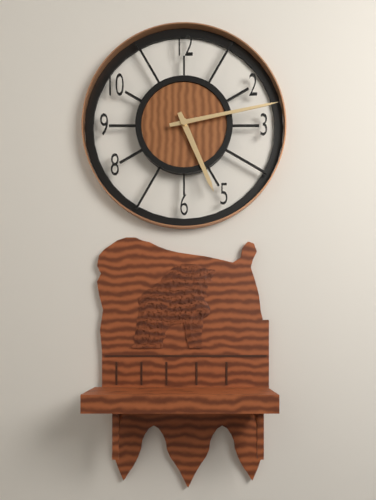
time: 5:13
